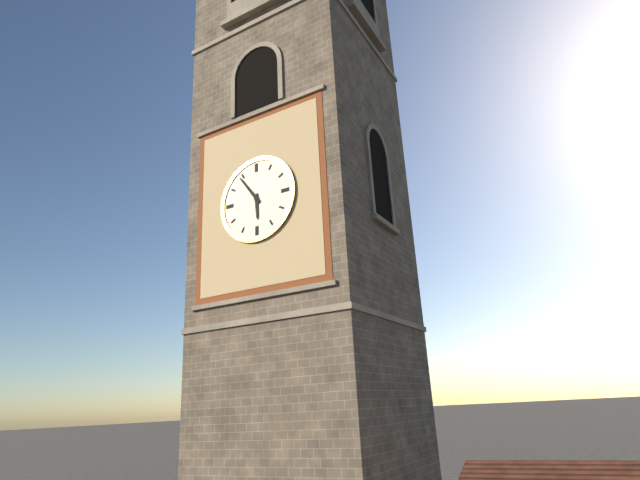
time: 5:54
